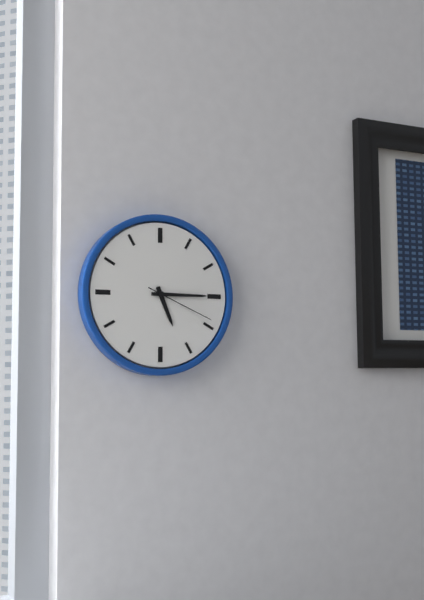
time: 5:15:19
